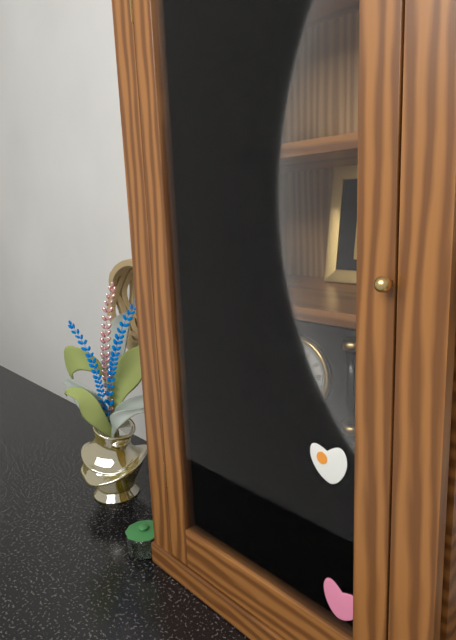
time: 9:01
